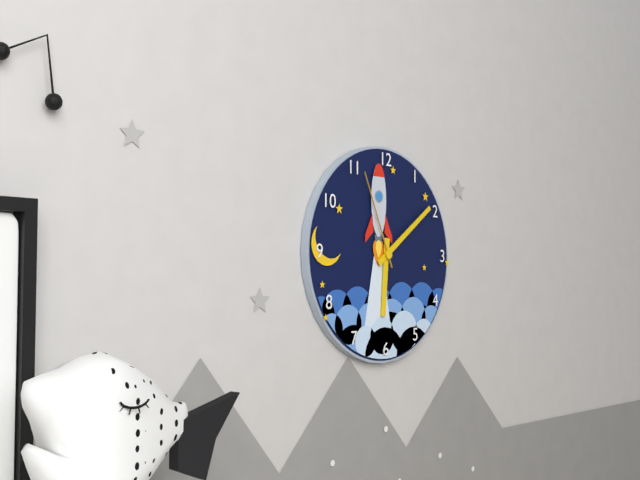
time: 6:09:56
